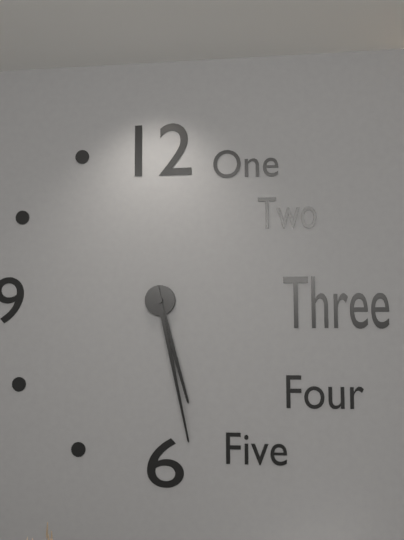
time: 5:28
